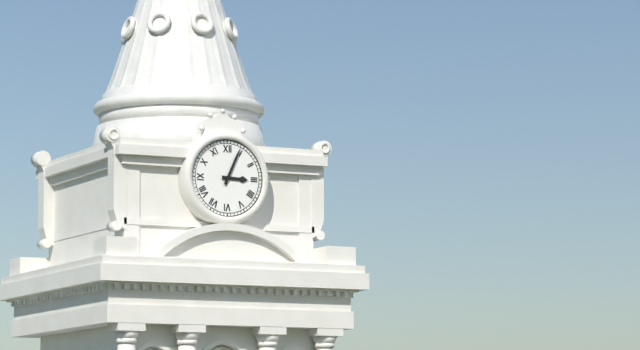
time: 3:04
